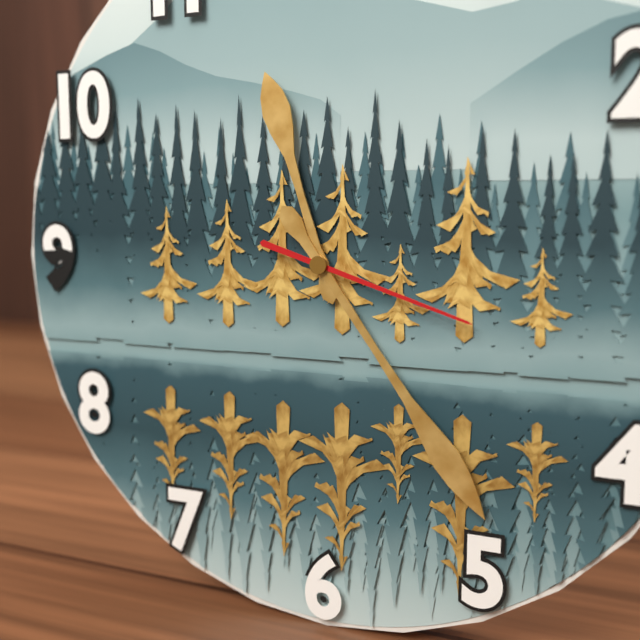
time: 11:24:18
